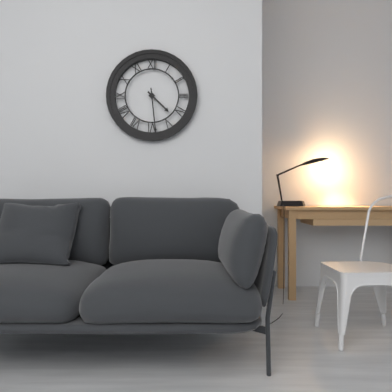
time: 4:29
